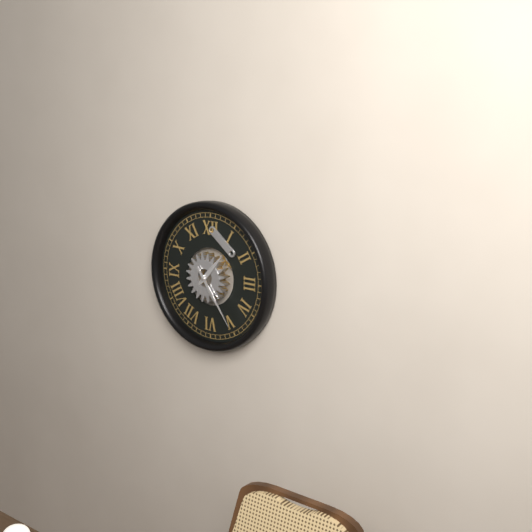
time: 1:24
